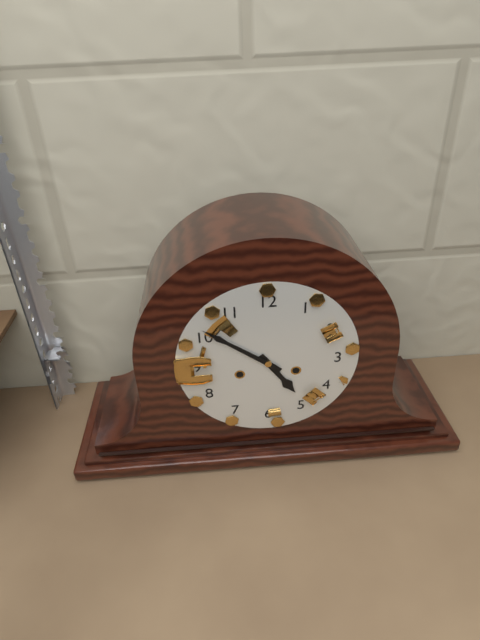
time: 4:51
